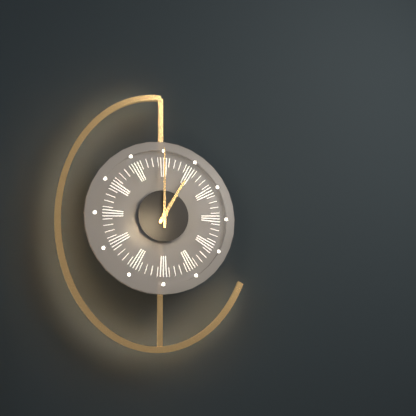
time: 1:00
